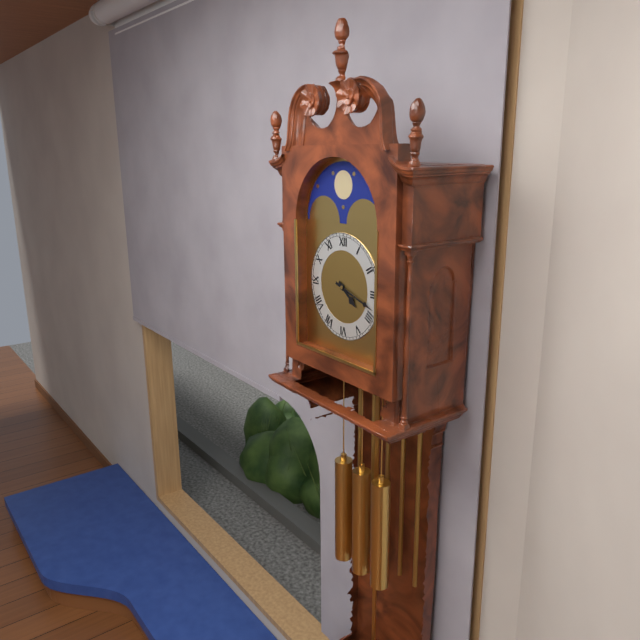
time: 4:18
